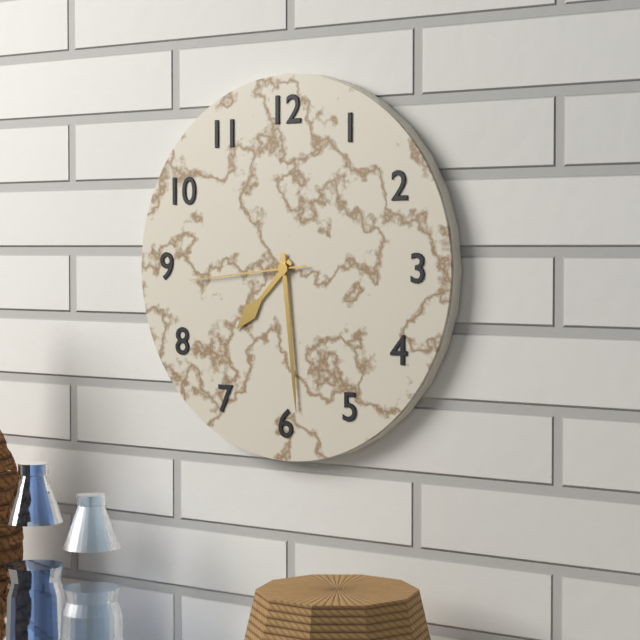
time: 7:29:44
